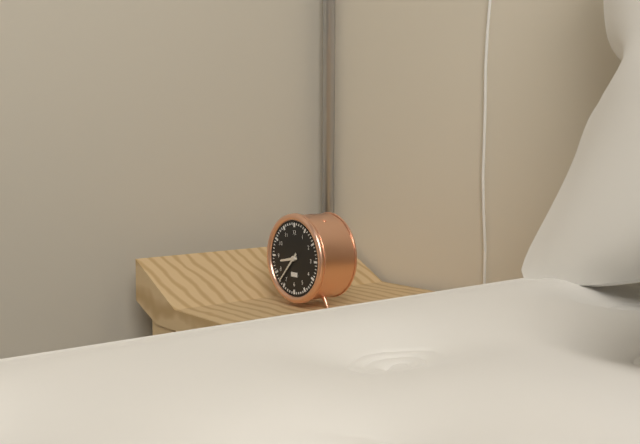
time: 8:37
